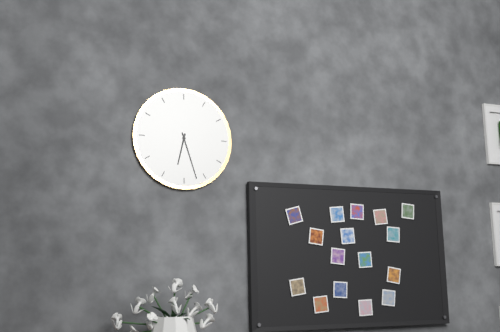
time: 6:27
